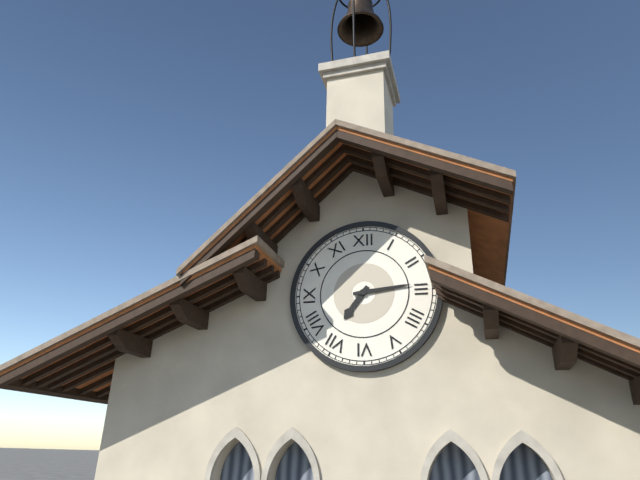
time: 7:14
